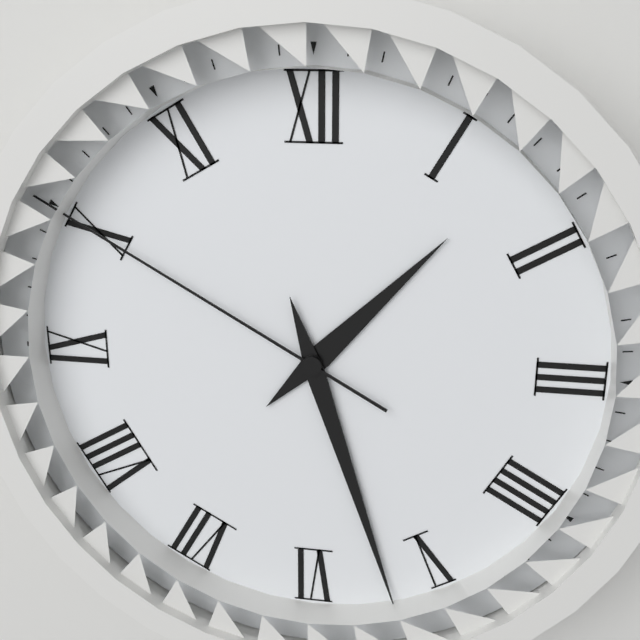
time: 1:27:50
